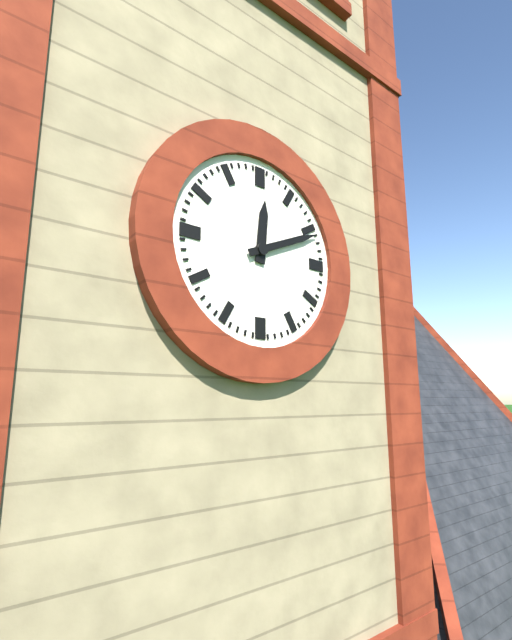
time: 12:11
